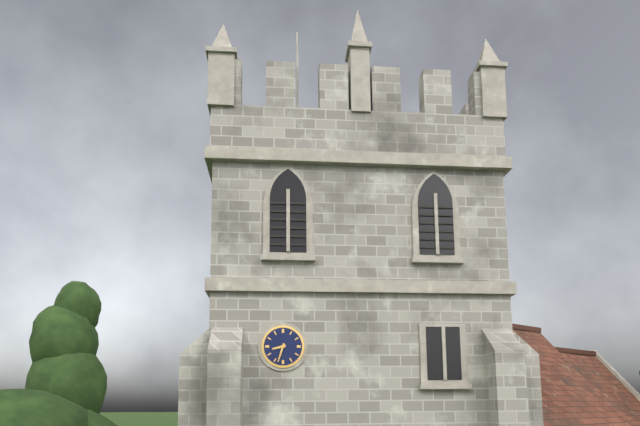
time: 8:33
